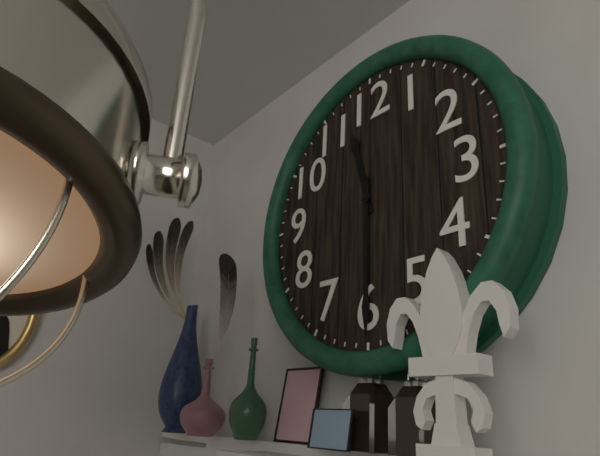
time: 11:30
